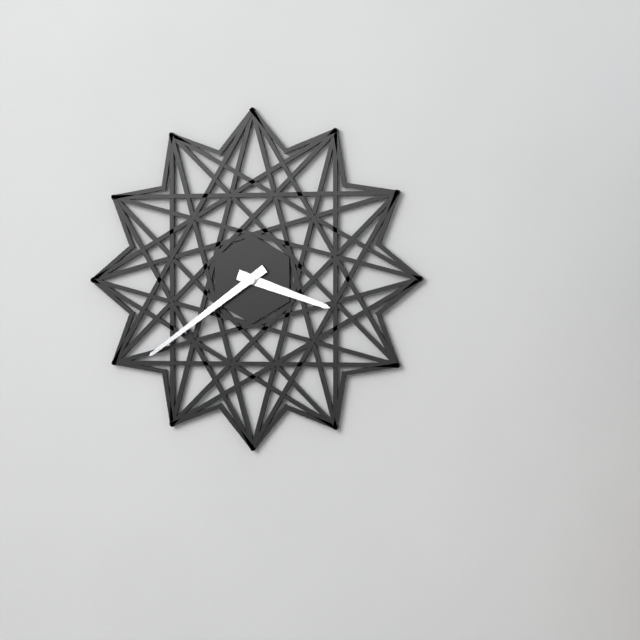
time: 3:39
